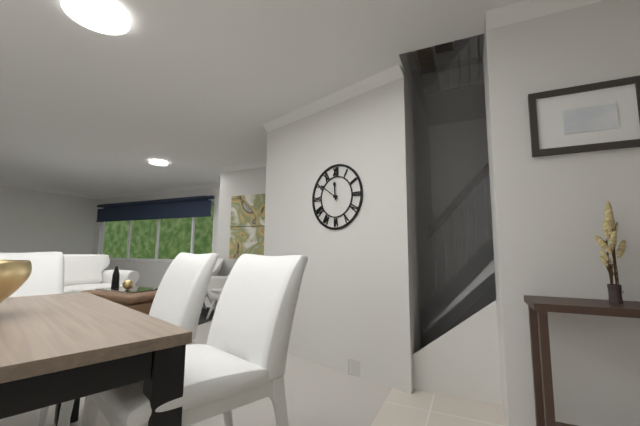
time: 11:51
